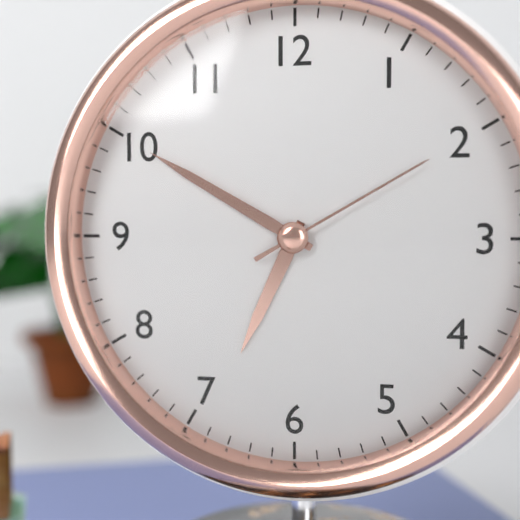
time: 6:50:10
